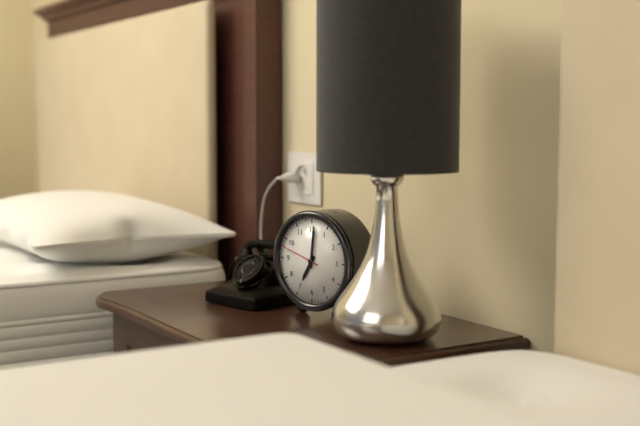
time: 7:01
